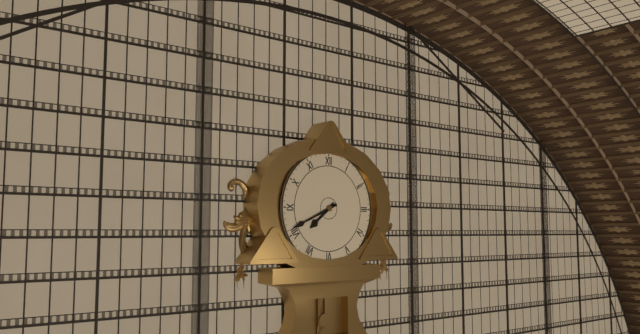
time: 7:41
